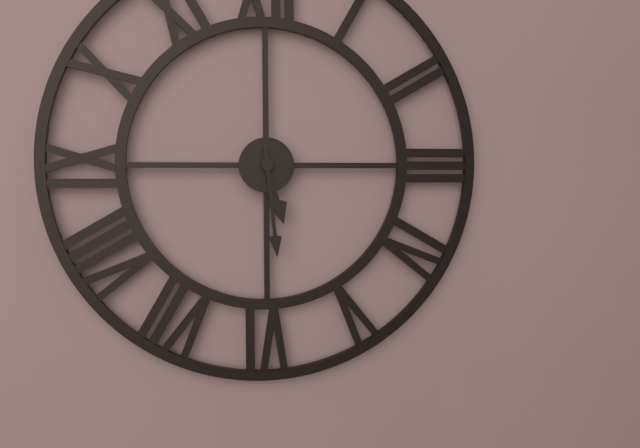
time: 5:29
